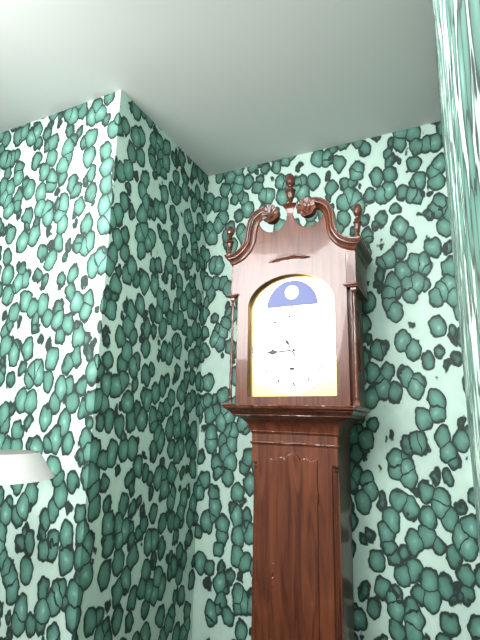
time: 8:55
